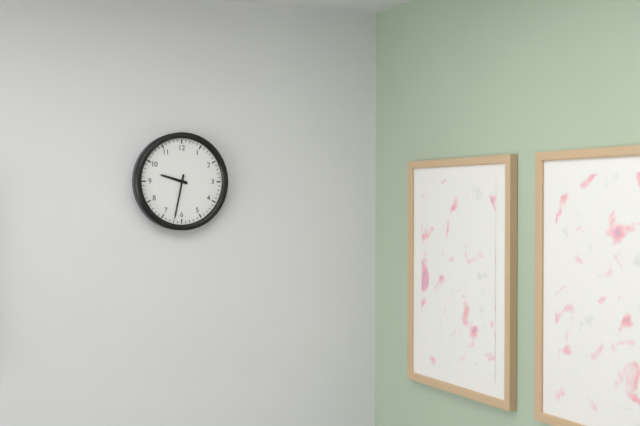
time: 9:32
